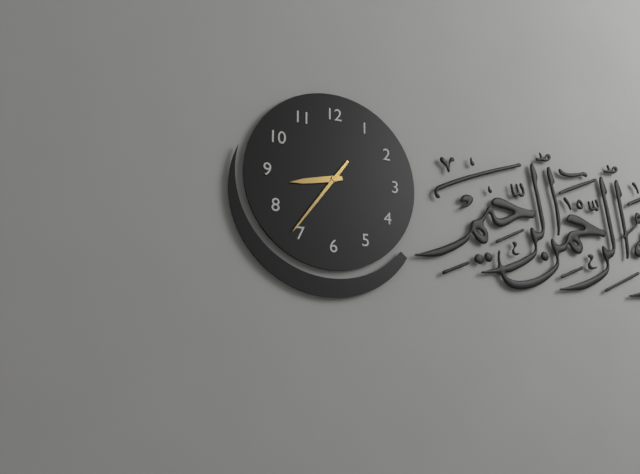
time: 8:36
